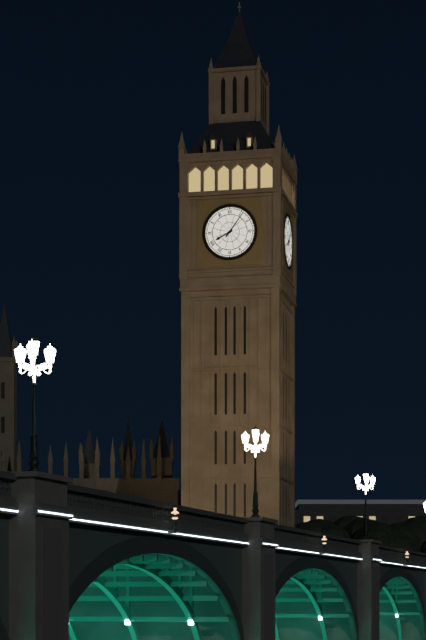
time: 8:06
